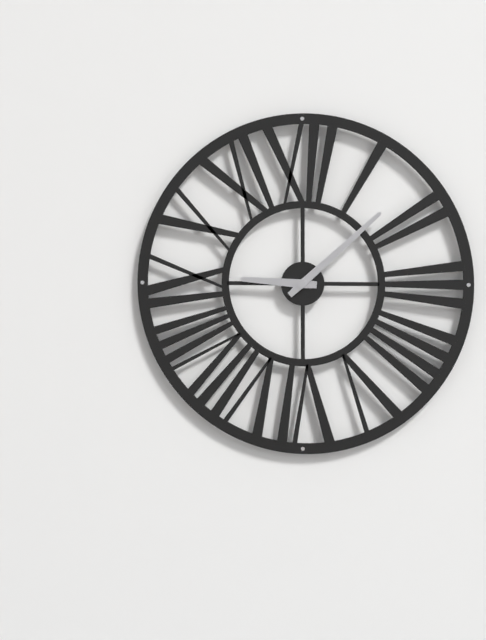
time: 9:08
